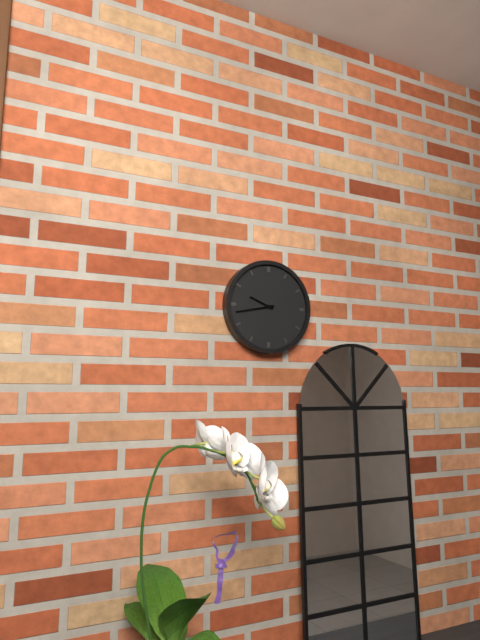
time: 9:43
